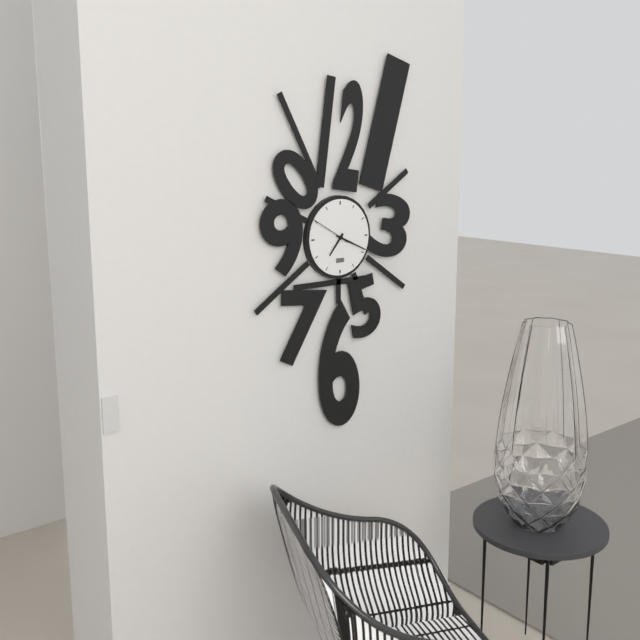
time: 7:19
